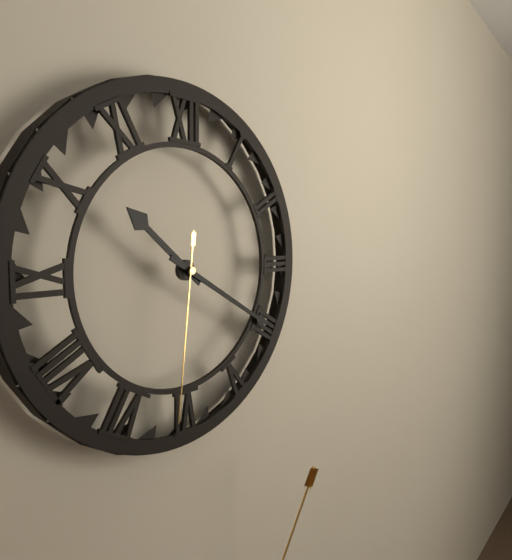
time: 10:20:31
